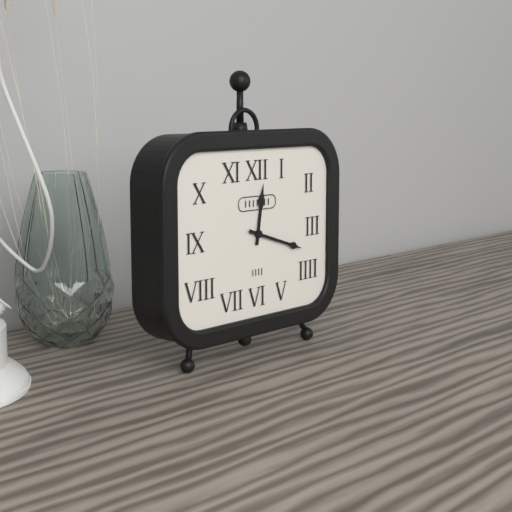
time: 12:18
